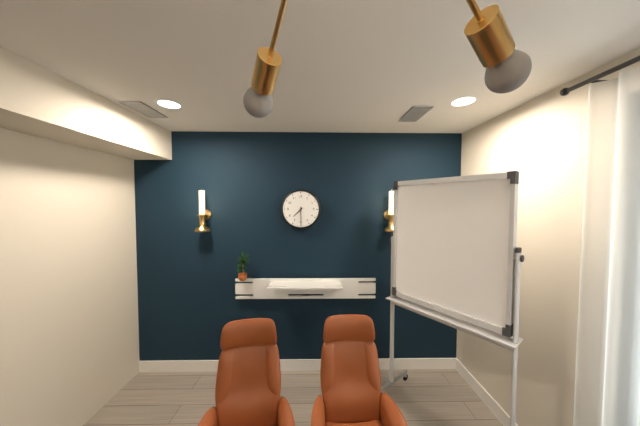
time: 7:30
